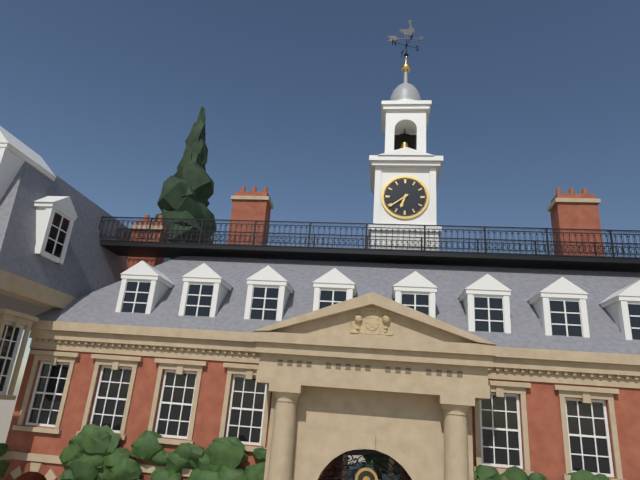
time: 6:39
